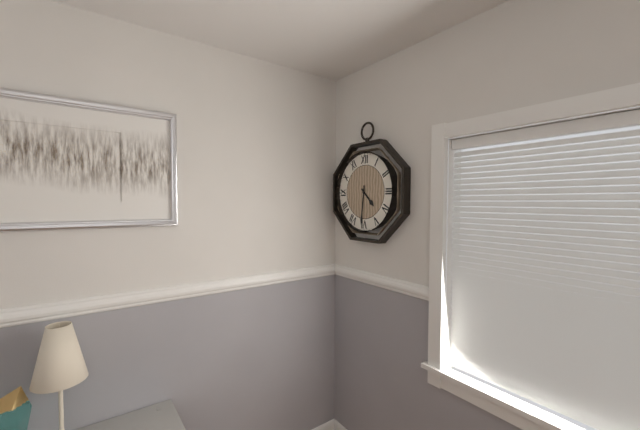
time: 4:31
